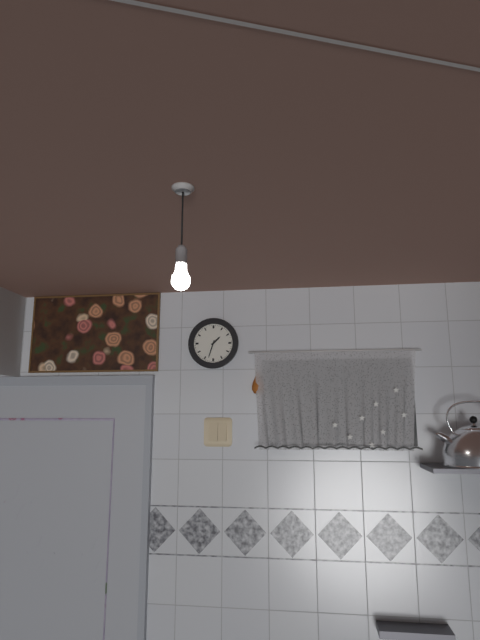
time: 1:33
